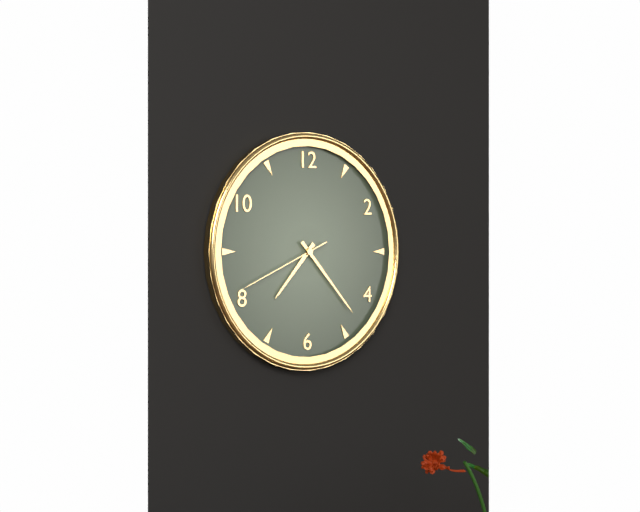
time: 7:23:41
